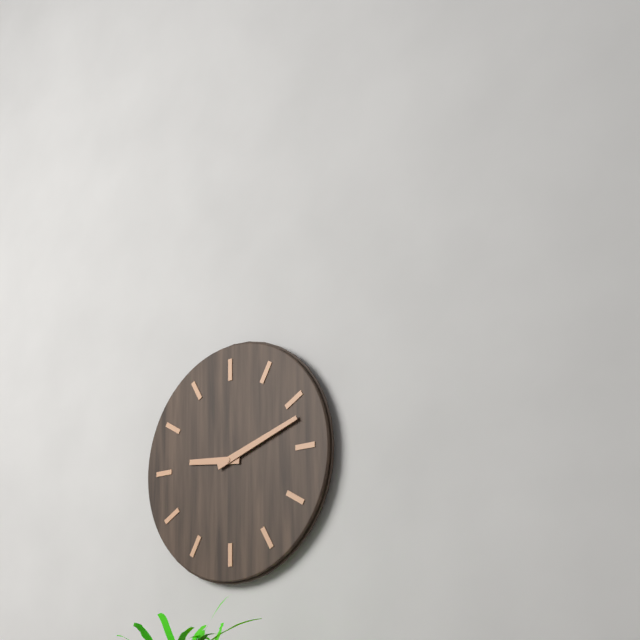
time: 9:12
